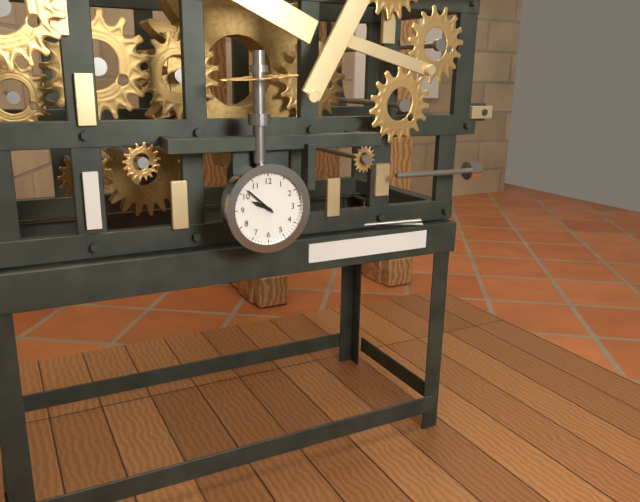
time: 9:52
